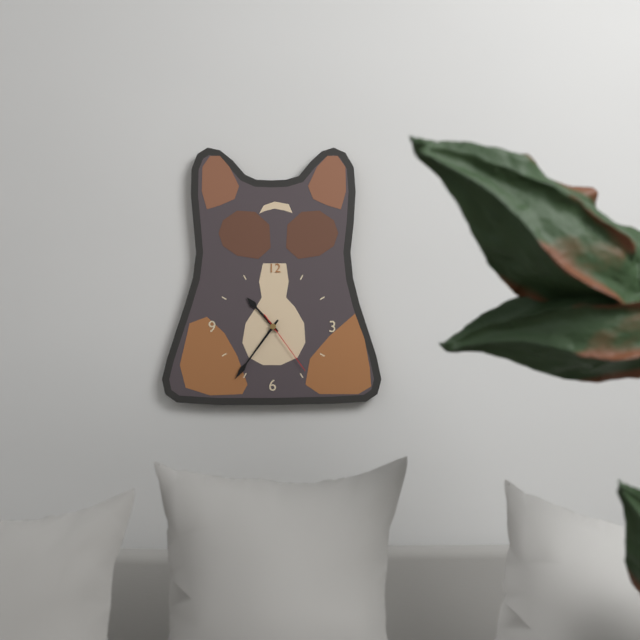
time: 10:36:24
